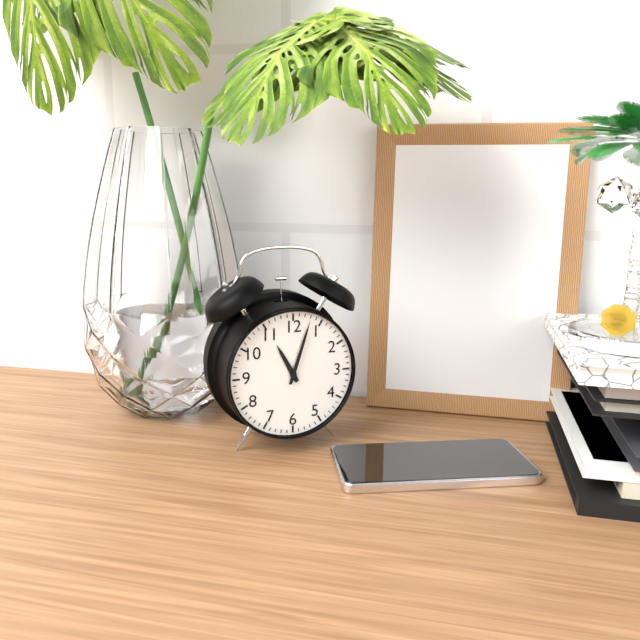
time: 11:03
